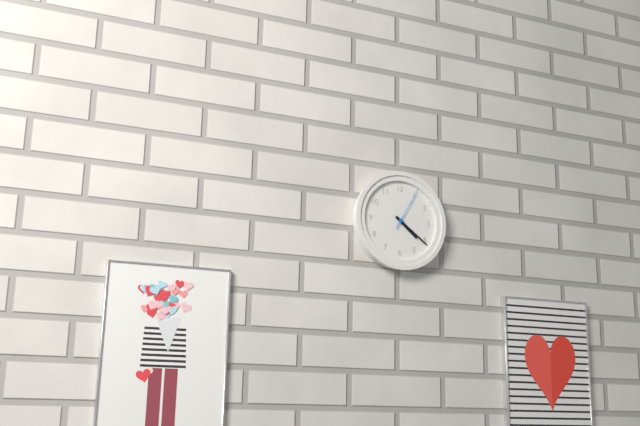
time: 4:21
